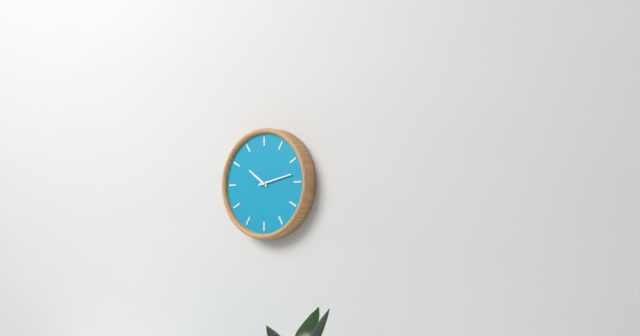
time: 10:13
